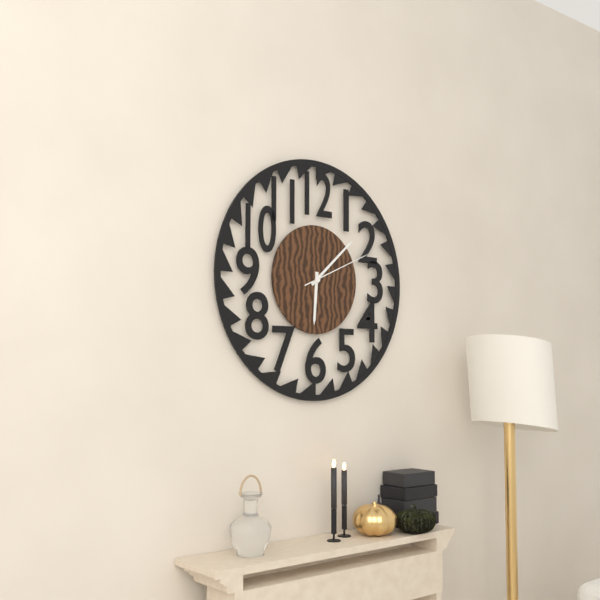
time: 6:08:11
